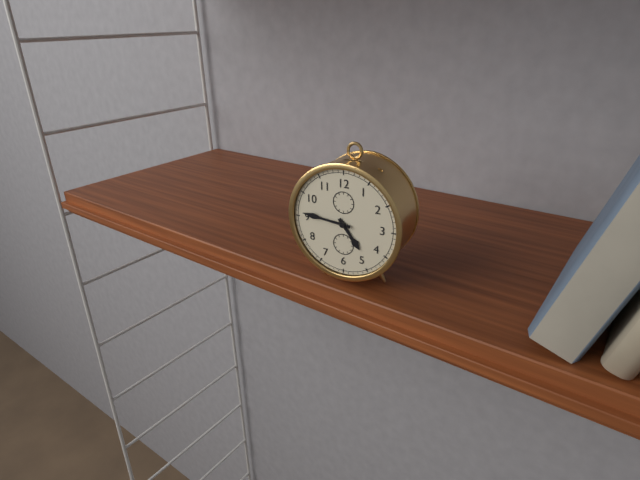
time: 4:46
